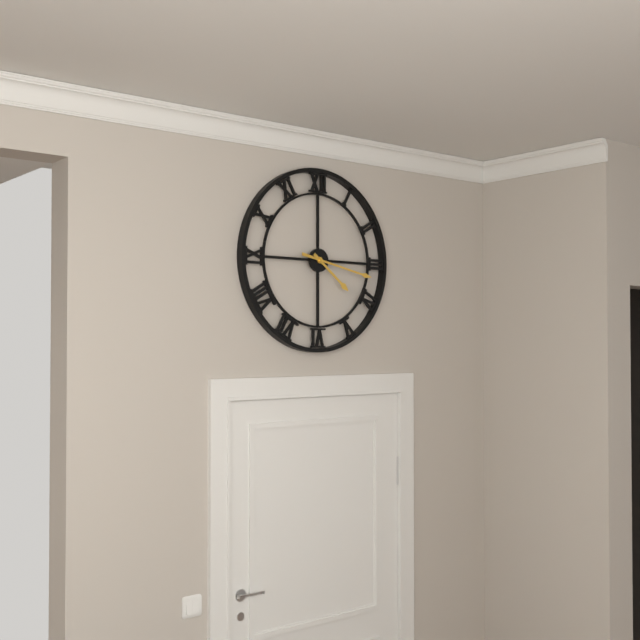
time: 4:17
